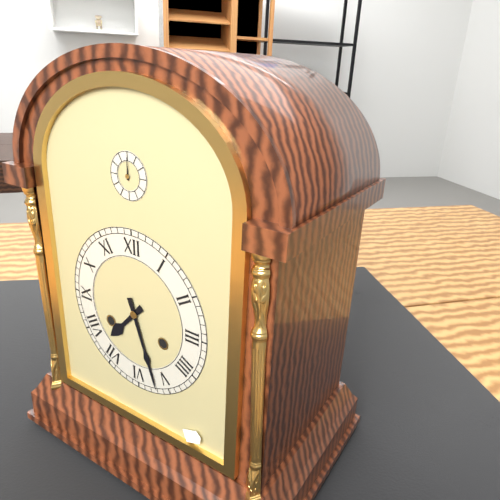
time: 7:27
